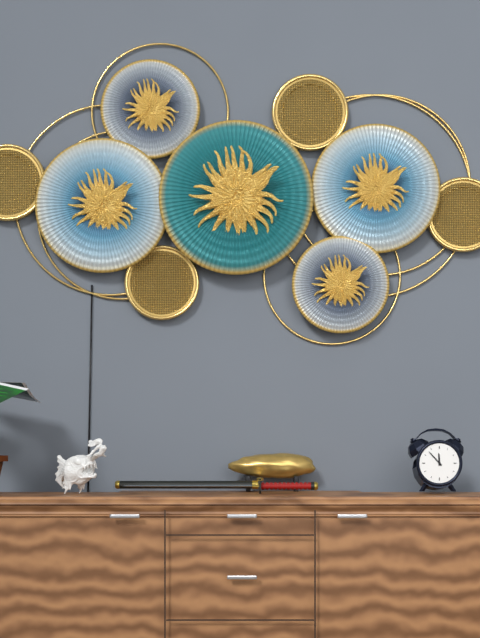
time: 11:53
